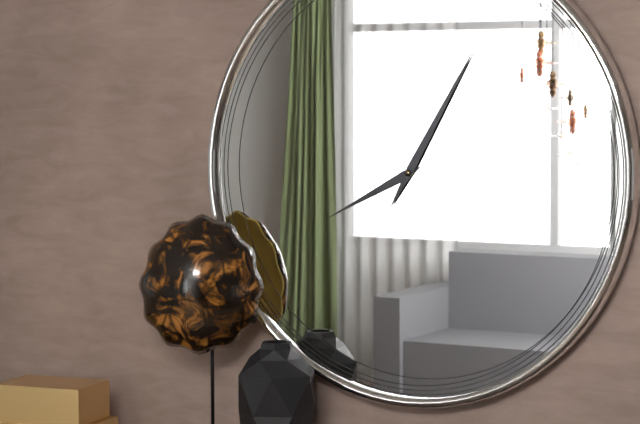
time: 8:05
